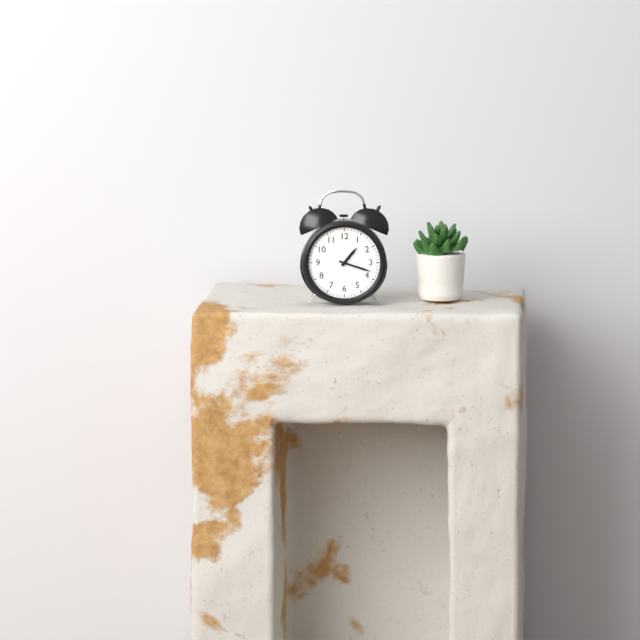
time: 1:18
